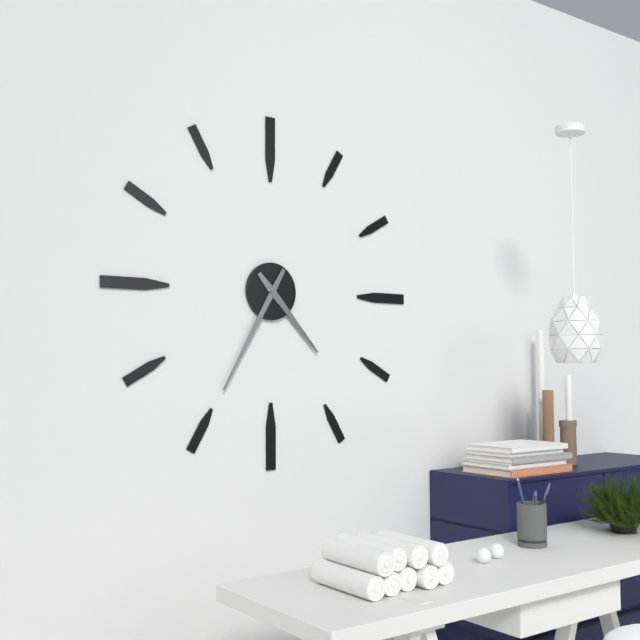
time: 4:35
